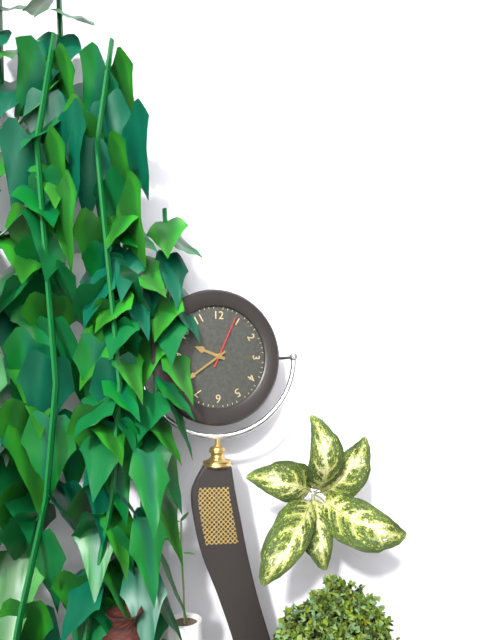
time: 9:39:04
